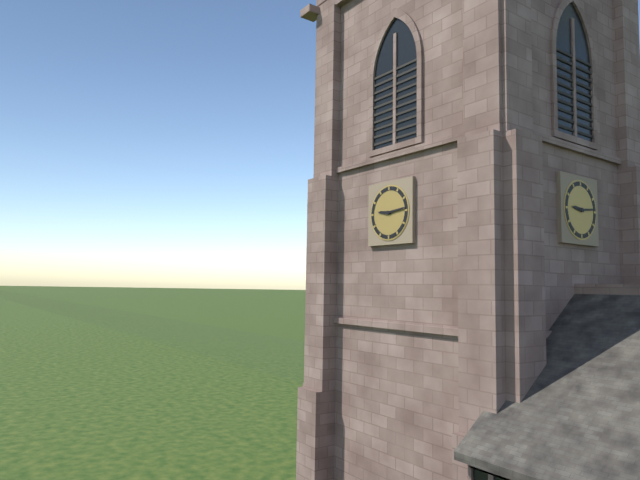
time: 9:14
